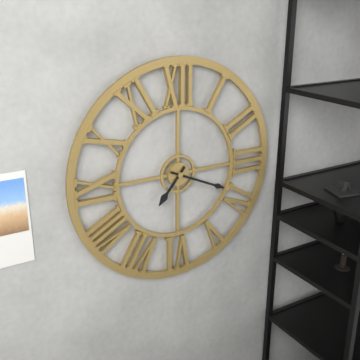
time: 7:19
